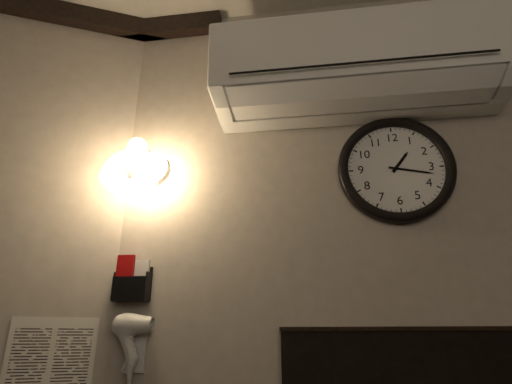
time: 1:17
